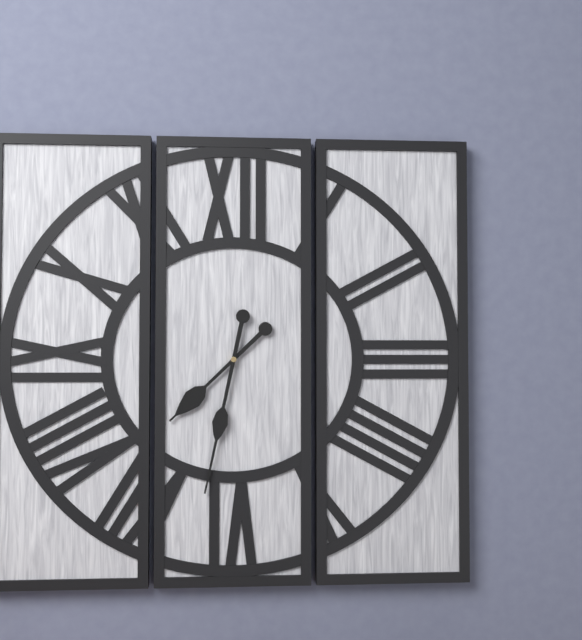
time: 7:32
